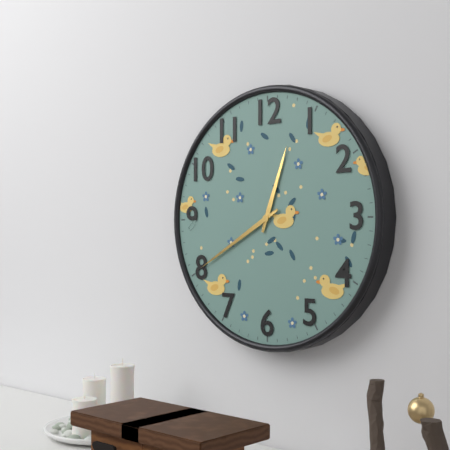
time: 12:40
